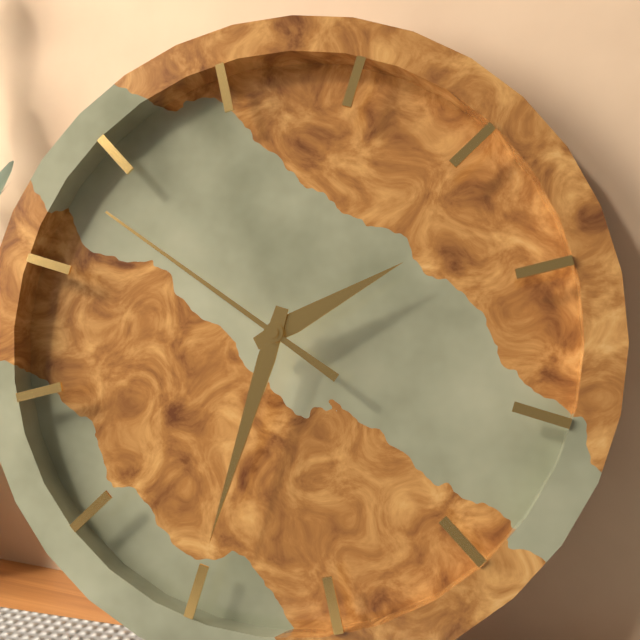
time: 1:30:48
